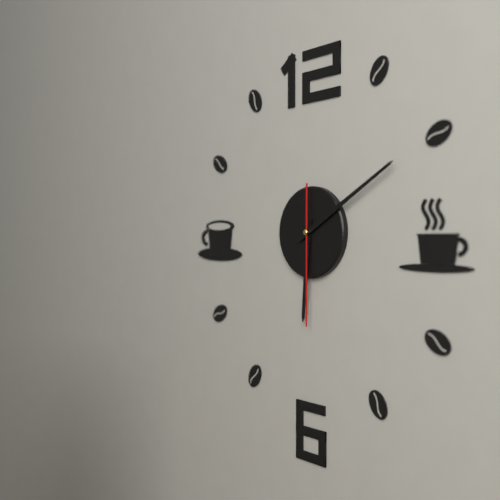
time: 6:10:30
